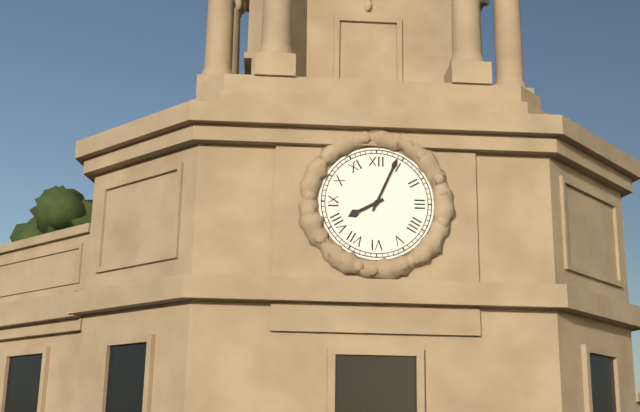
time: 8:04
